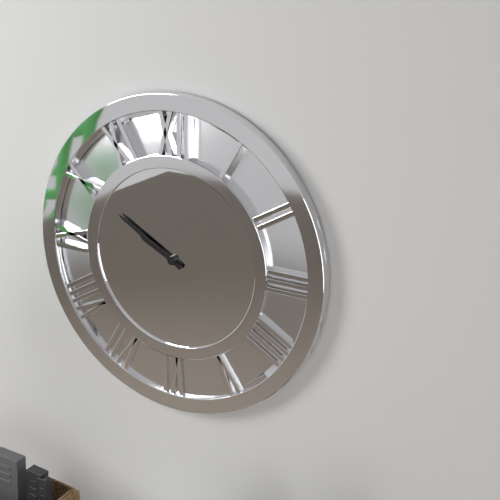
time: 9:50
